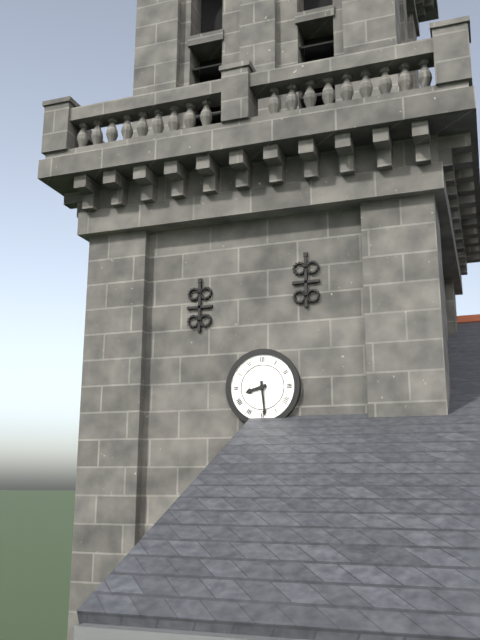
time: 8:29
